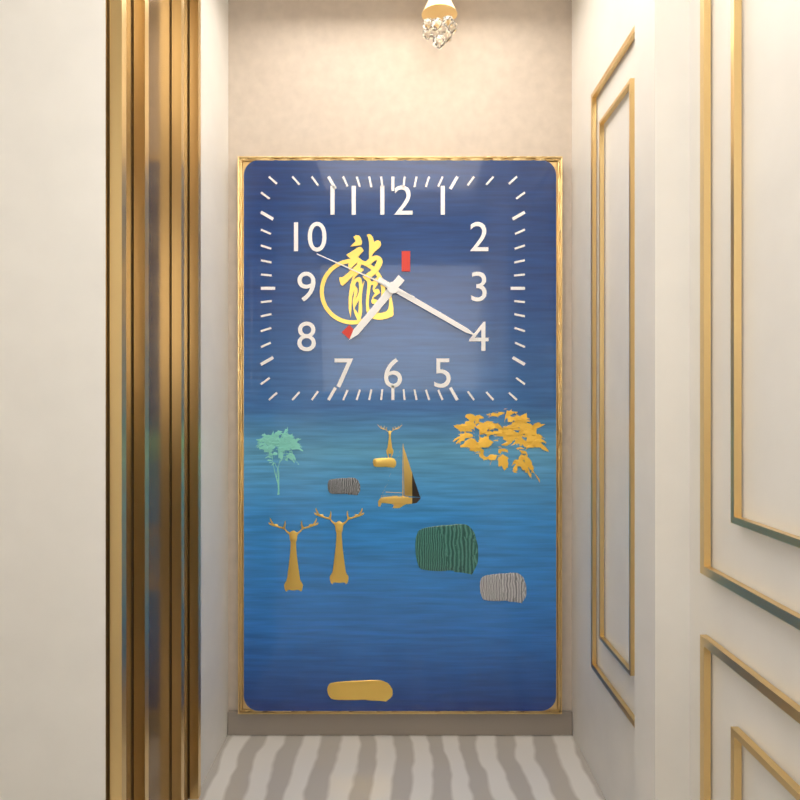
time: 7:20:49
